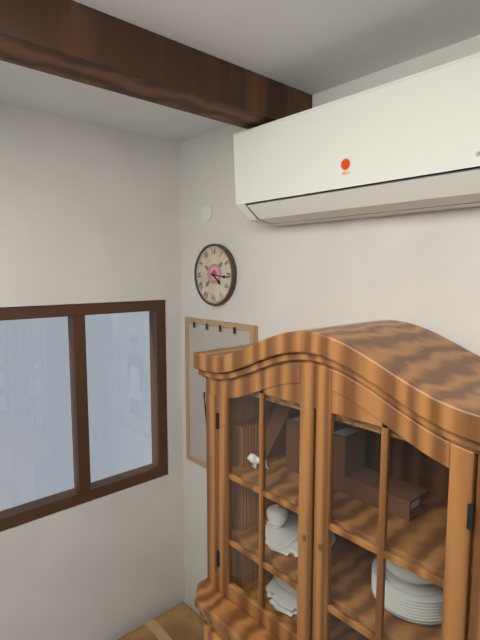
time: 4:16
